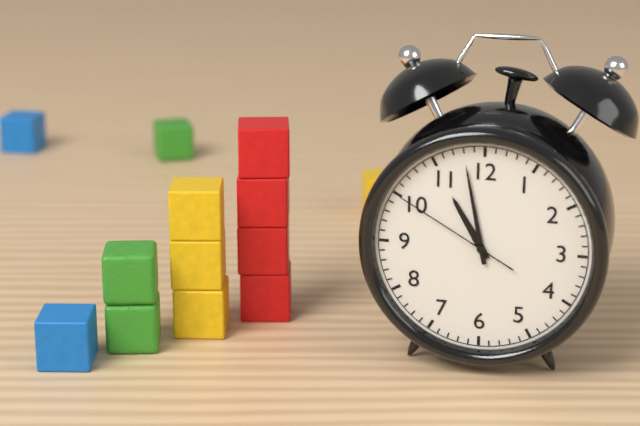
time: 10:58:50
